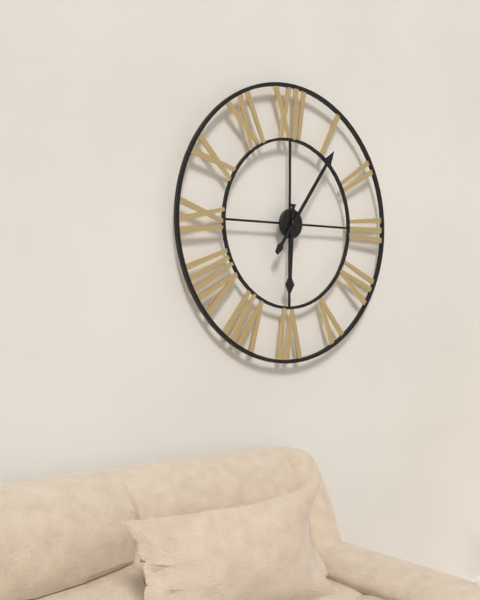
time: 6:06
